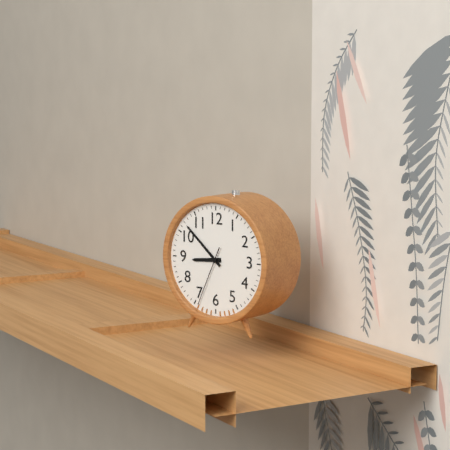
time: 8:52:34
